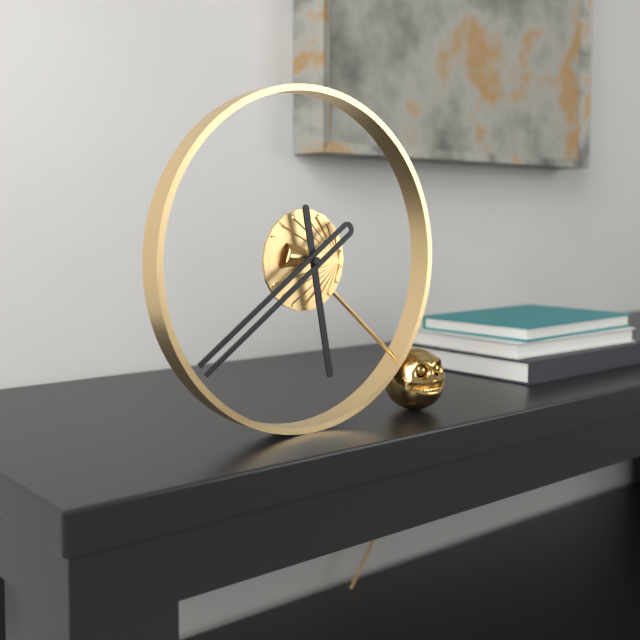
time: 5:39
